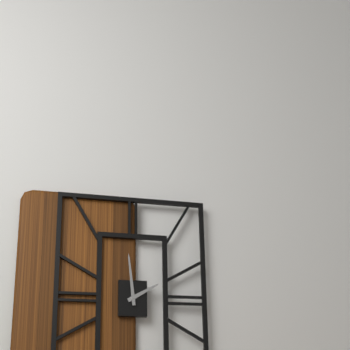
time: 1:59
